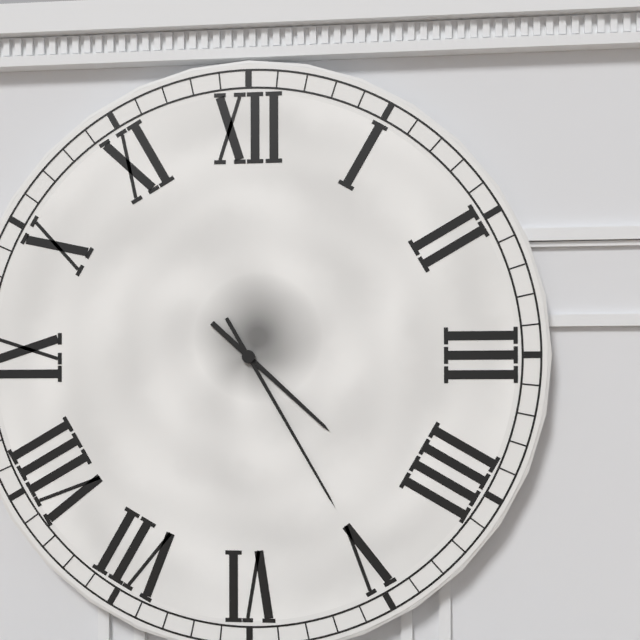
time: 4:25
